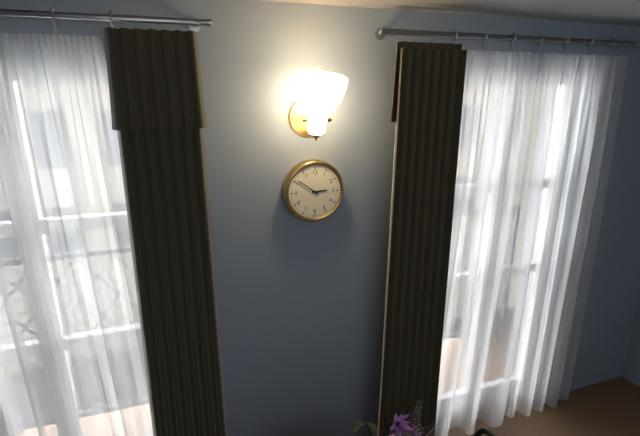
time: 2:51
